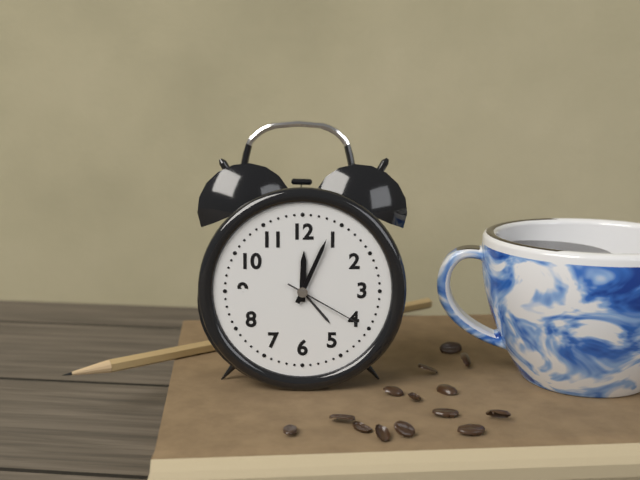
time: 12:04:20
